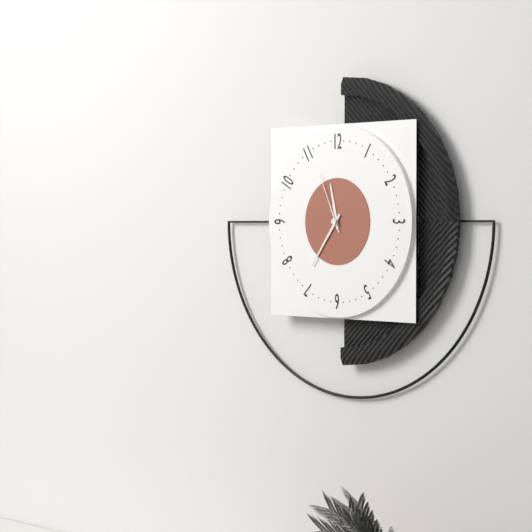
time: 11:36:56
